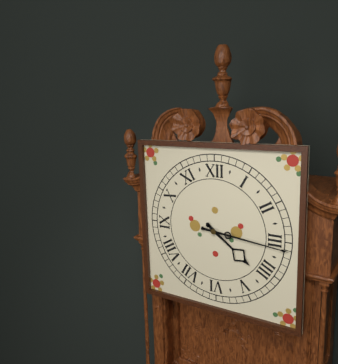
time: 4:16
